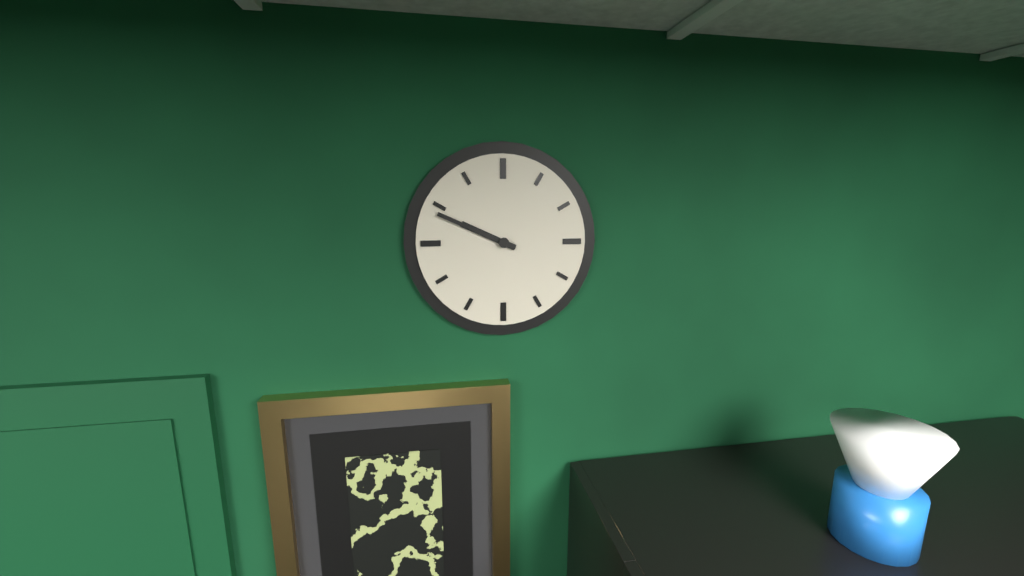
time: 9:49
